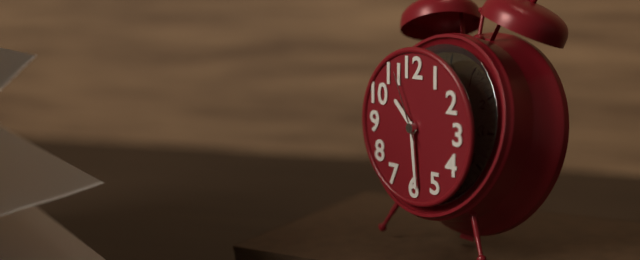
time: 10:29:56
